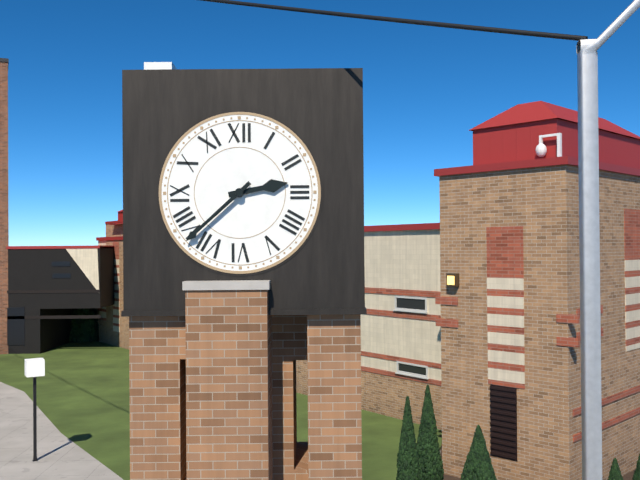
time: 2:38
